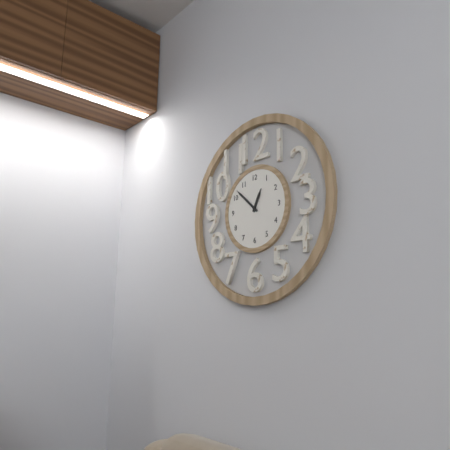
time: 12:52
